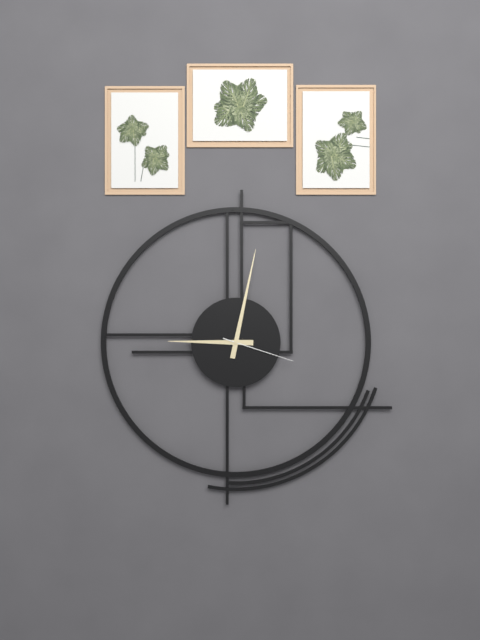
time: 9:02:18
